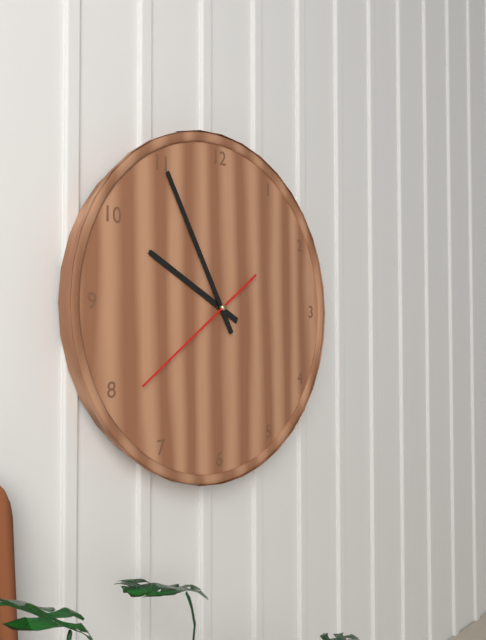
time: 9:55:39
